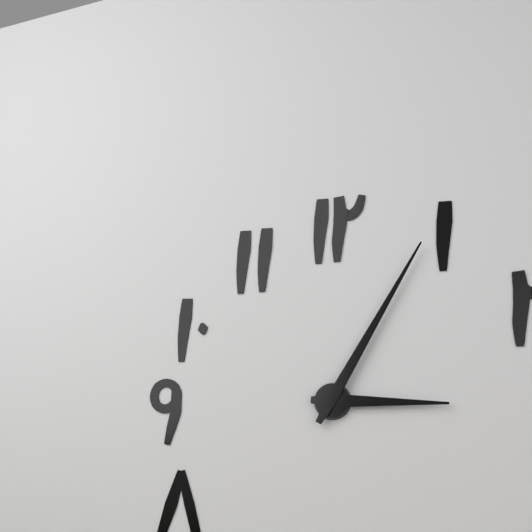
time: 3:05
